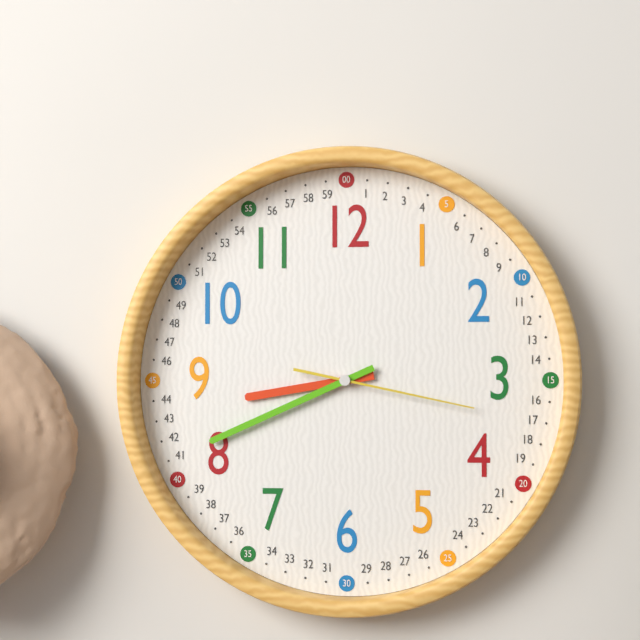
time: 8:41:17
